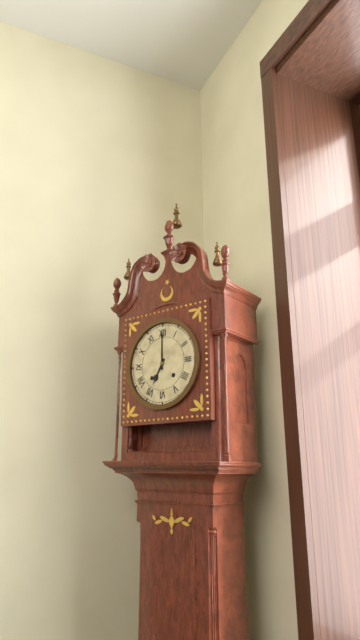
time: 7:00
